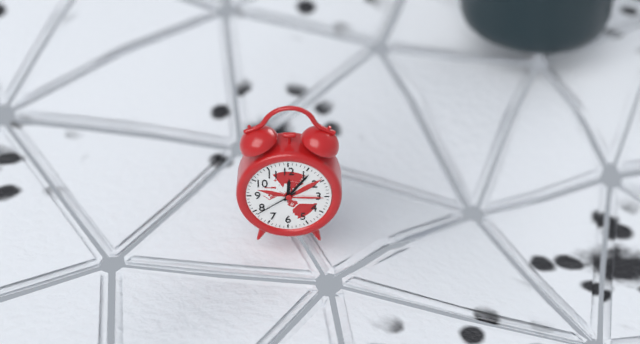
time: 12:06
